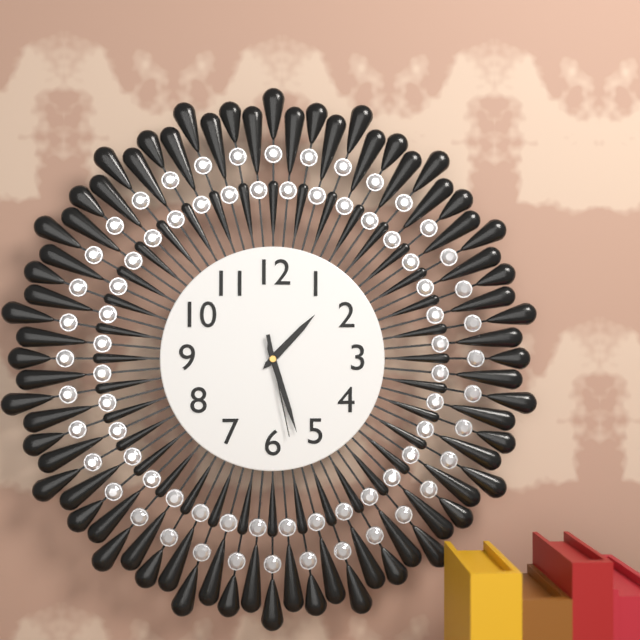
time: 1:27:28
